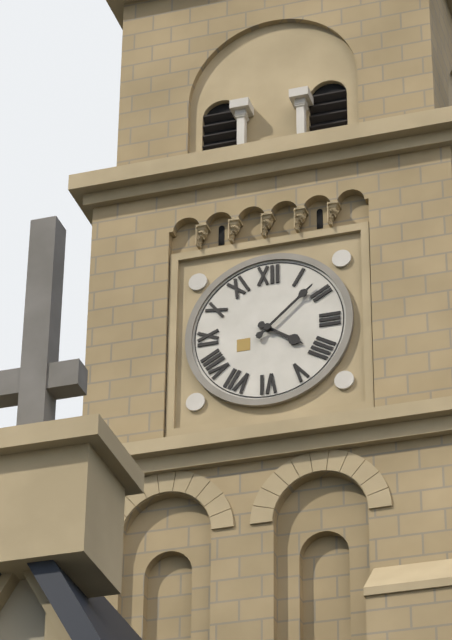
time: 4:08
